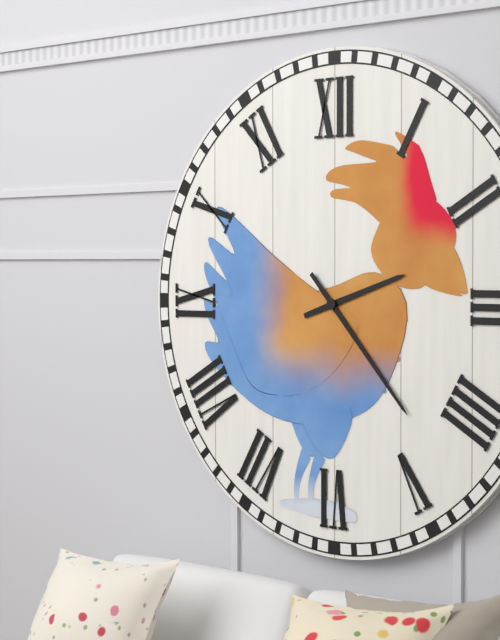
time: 2:23
